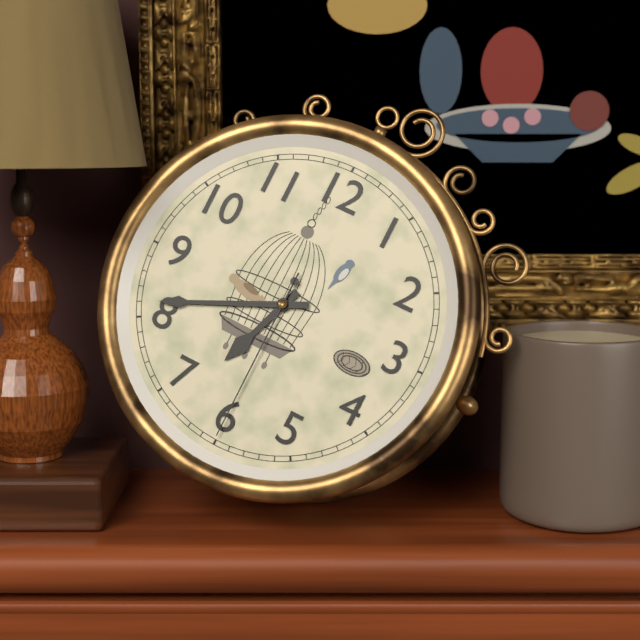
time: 6:41:30
